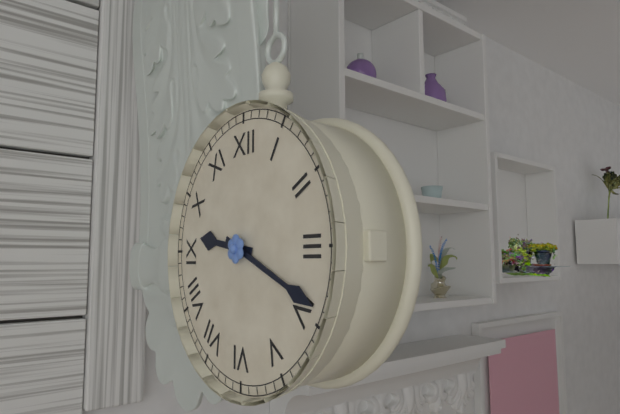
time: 9:19
